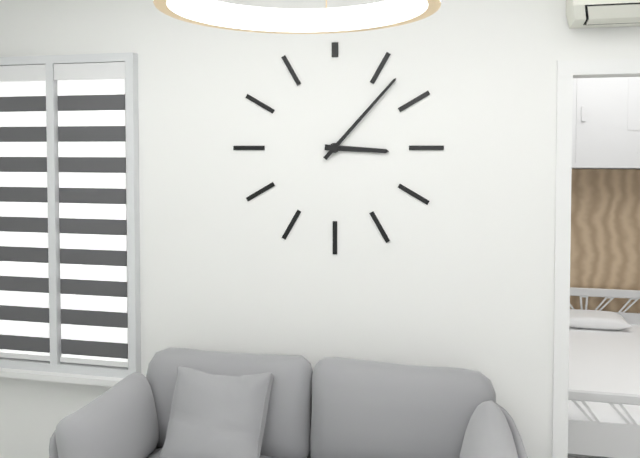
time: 3:07
